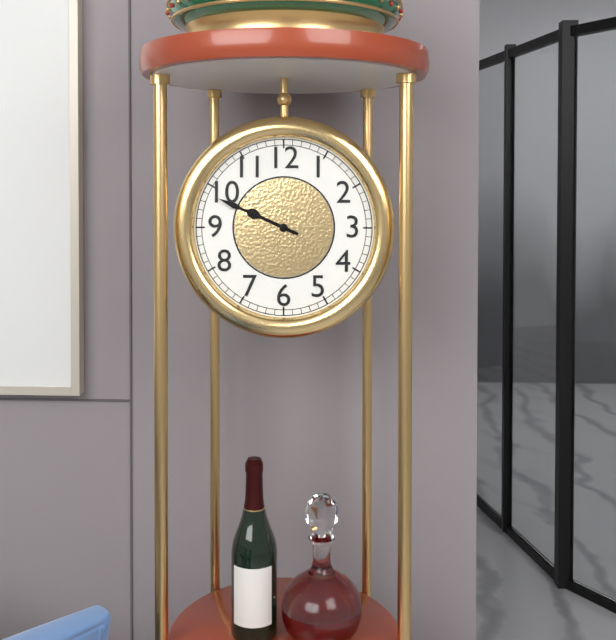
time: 9:49
